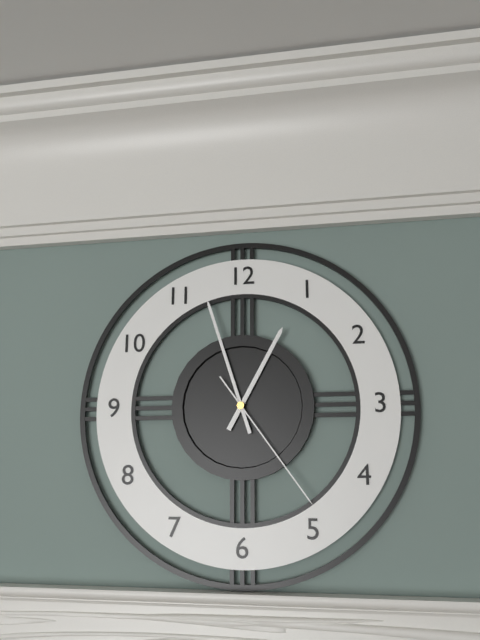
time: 12:57:24
